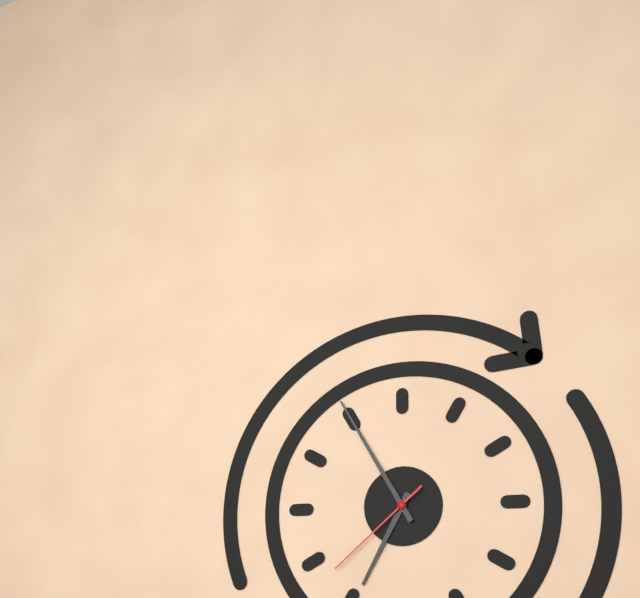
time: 6:55:38
